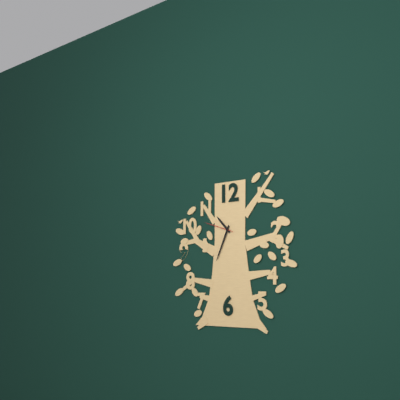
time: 10:34
